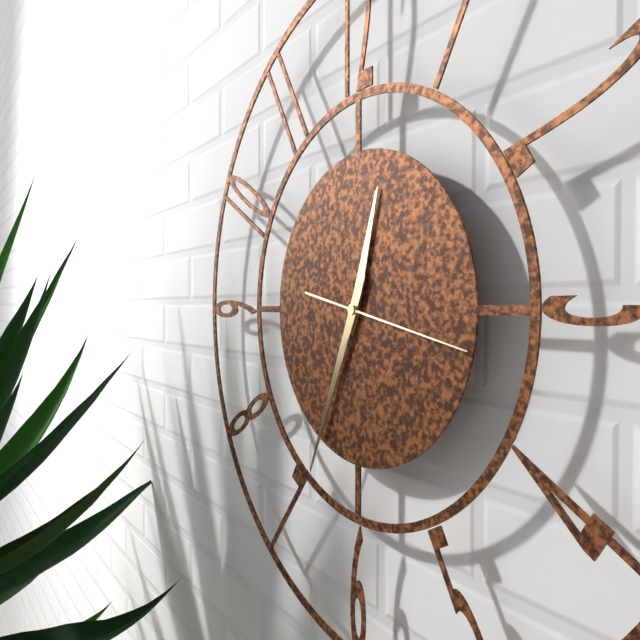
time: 12:34:17
